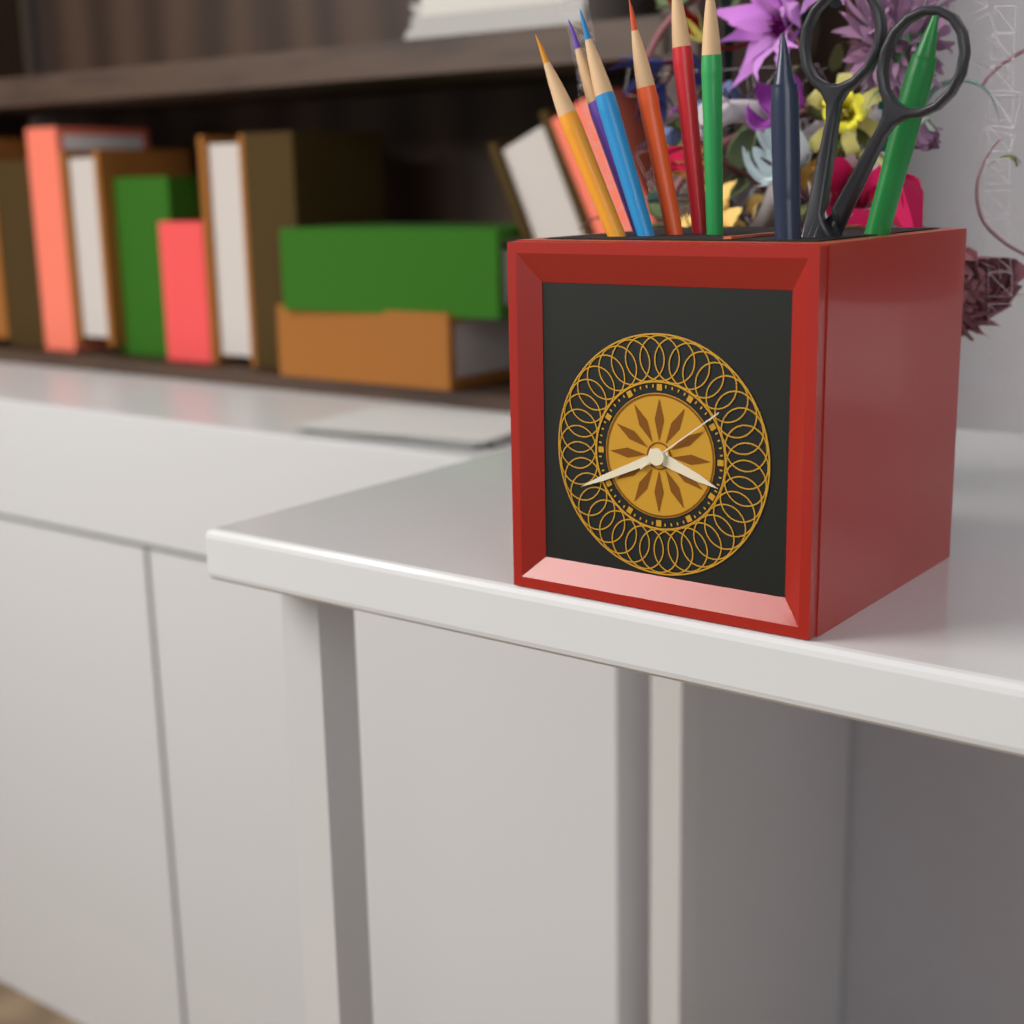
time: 3:41:09
